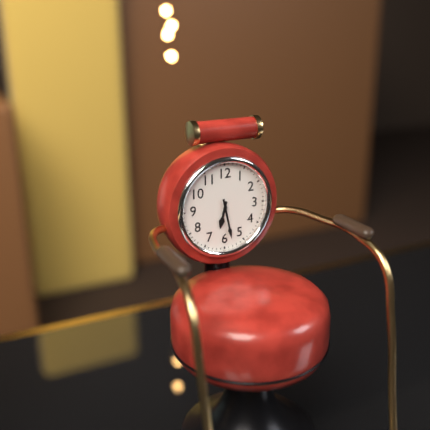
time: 6:28
